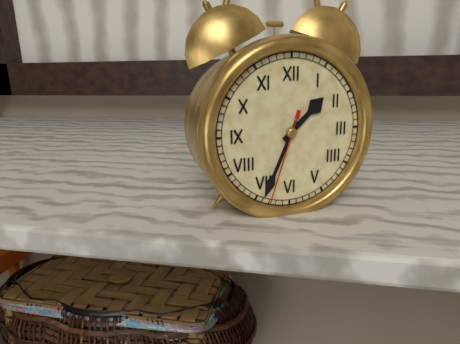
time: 1:34:33
